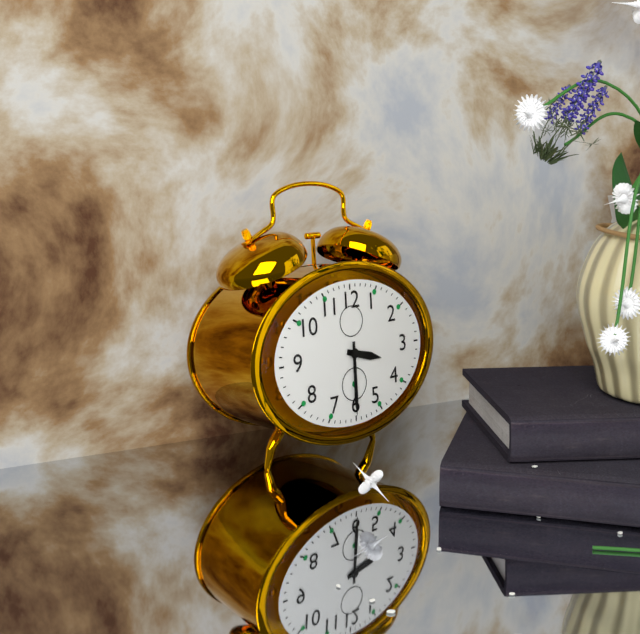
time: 3:30
